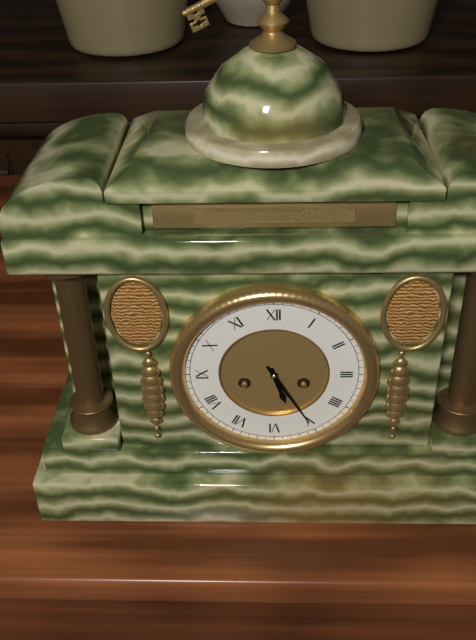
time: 5:25
